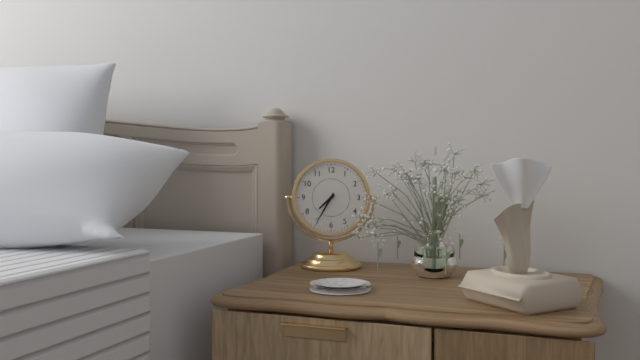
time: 7:35
